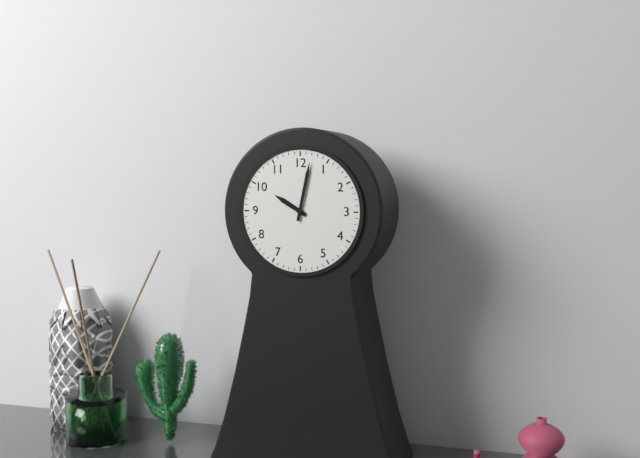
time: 10:02
